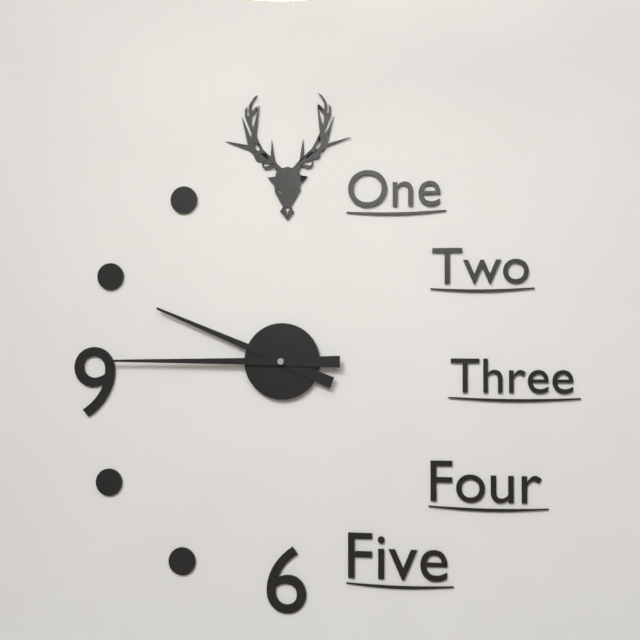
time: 9:45
